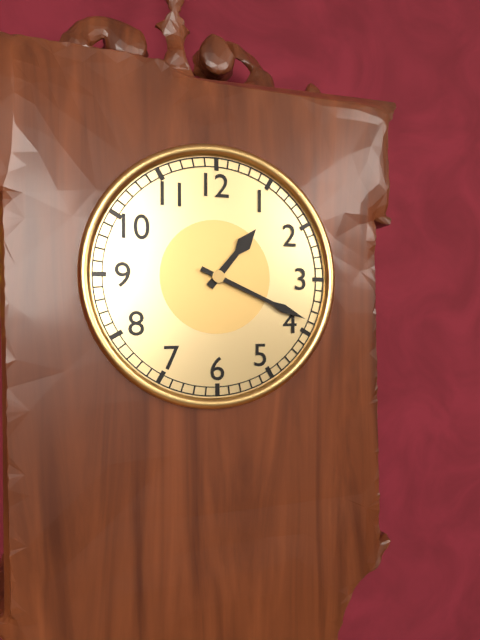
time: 1:19
